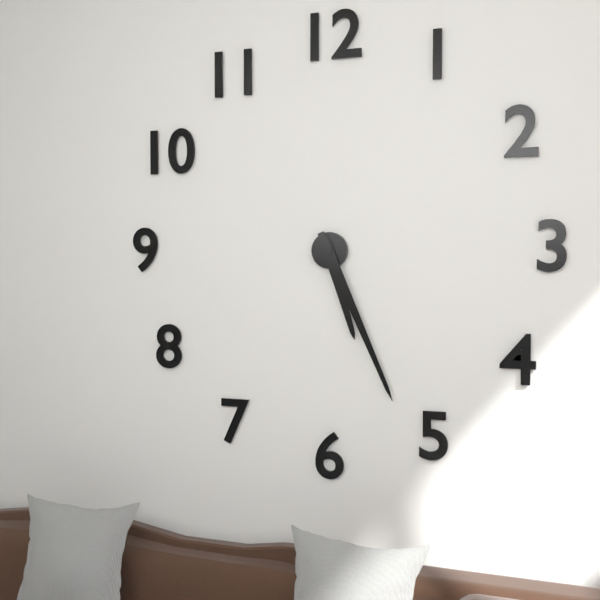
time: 5:26
